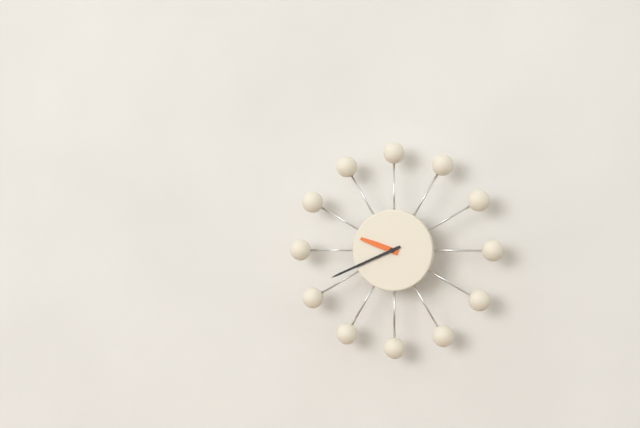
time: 9:41
